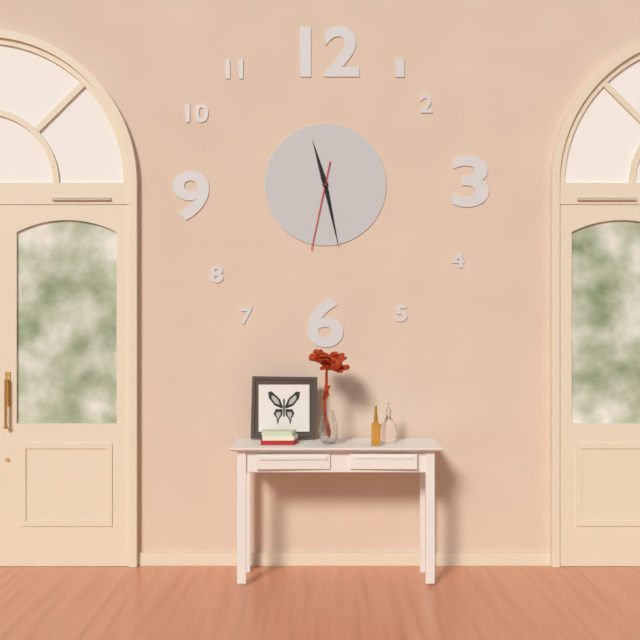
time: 11:28:32
